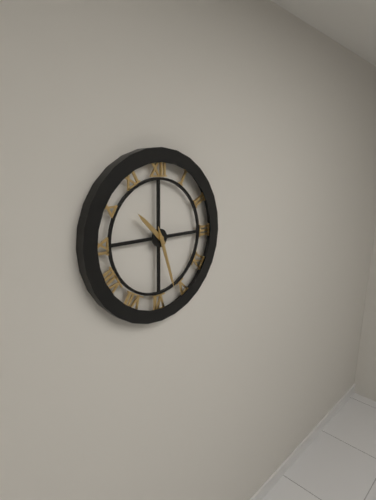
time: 10:27
